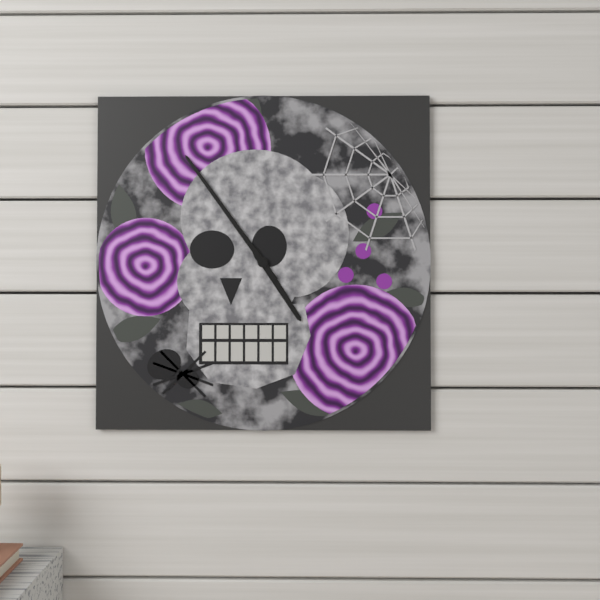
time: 4:54
